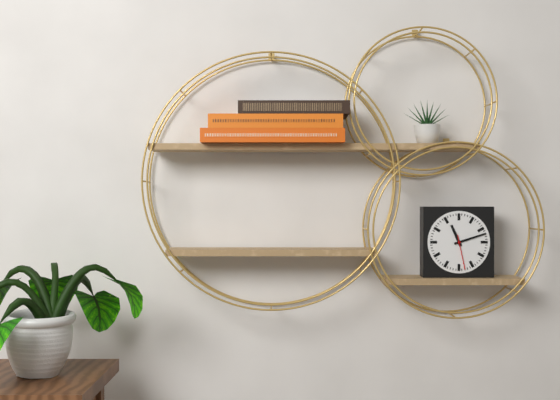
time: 11:12
